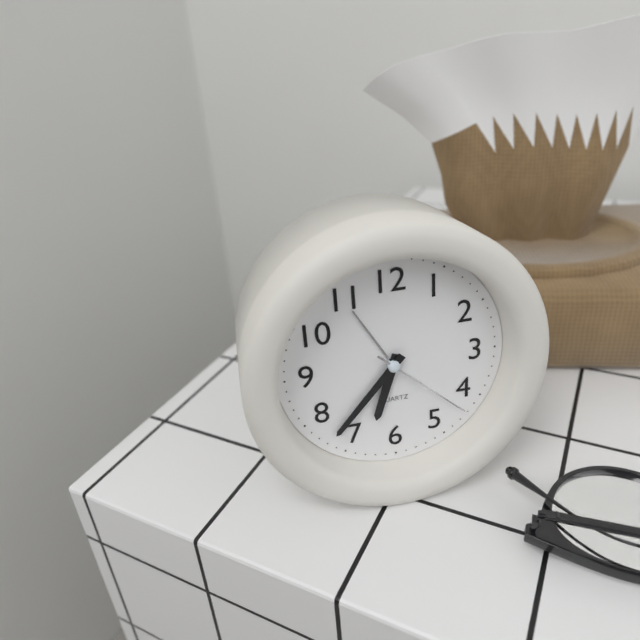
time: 6:37:22
